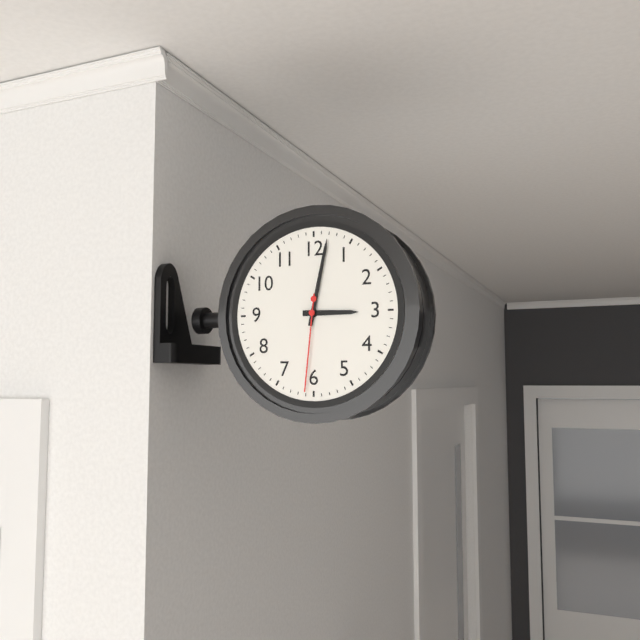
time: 3:02:31
